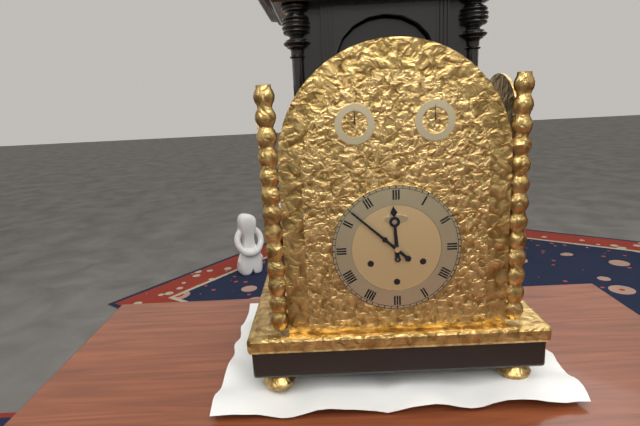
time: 11:52
